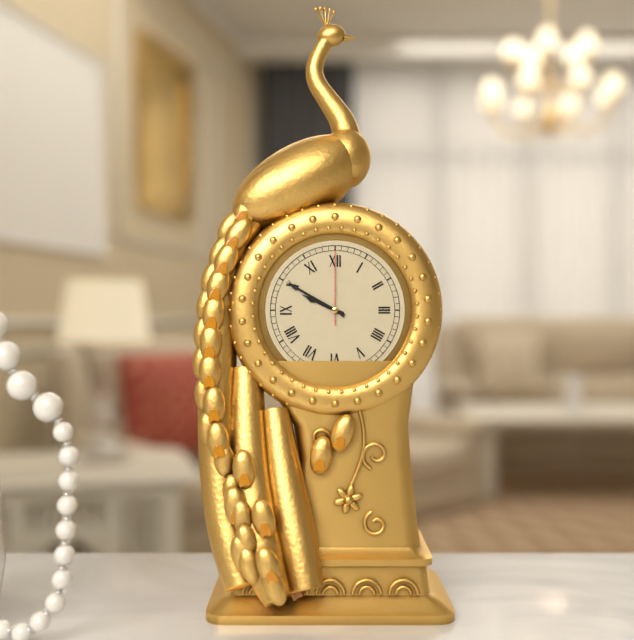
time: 9:50:00
